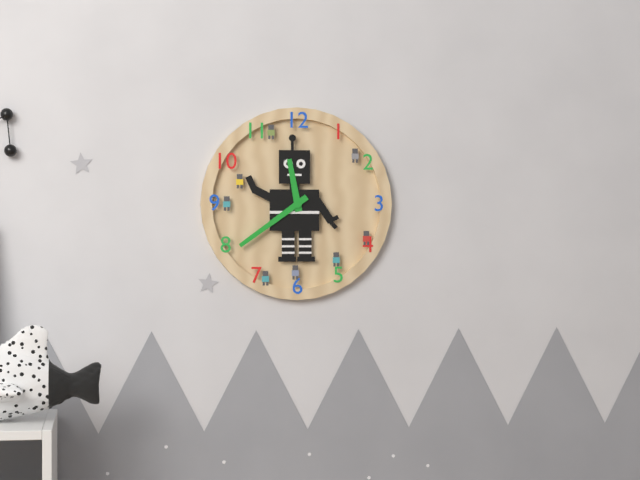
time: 11:39
